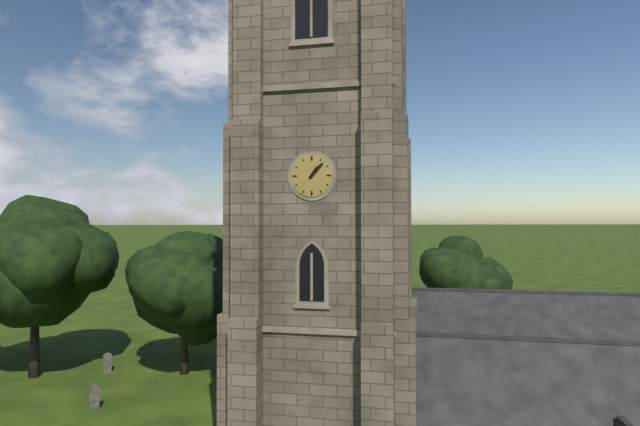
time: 1:07
